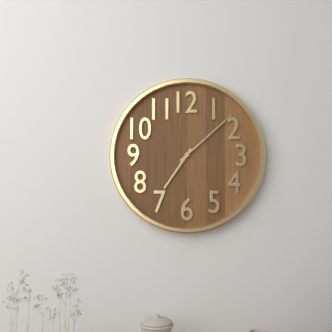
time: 7:08
